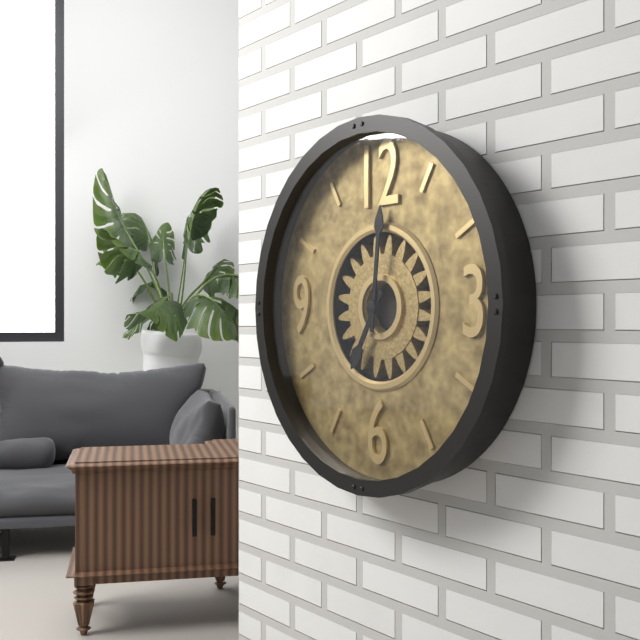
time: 7:01
